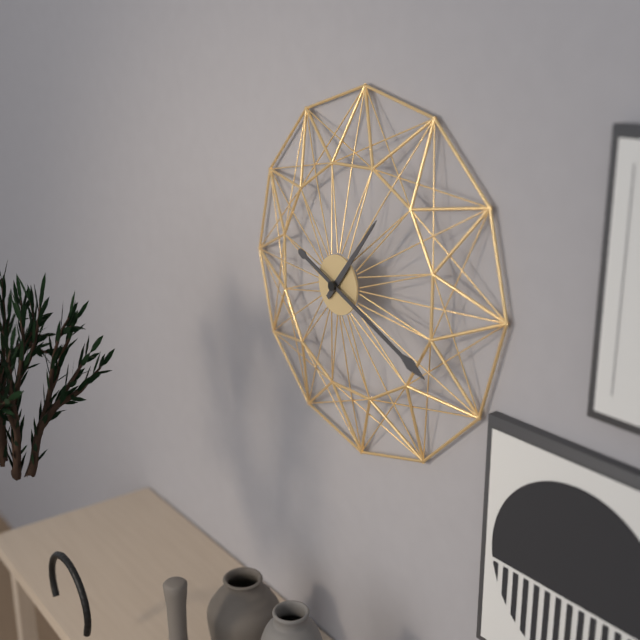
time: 1:19
